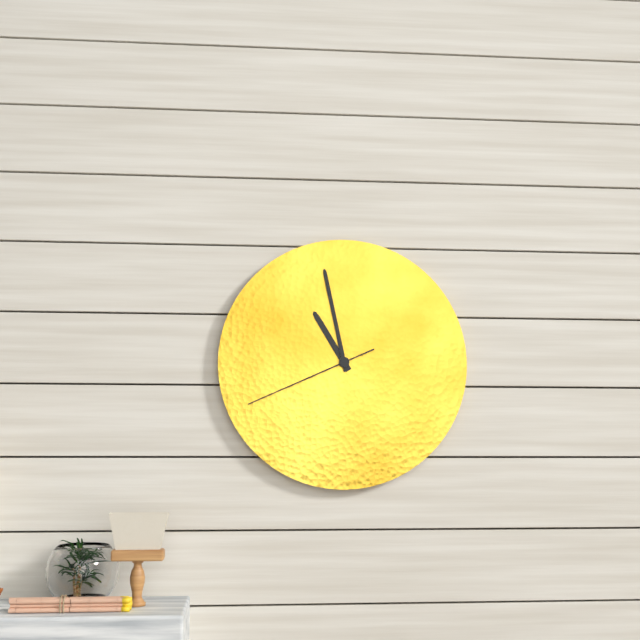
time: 10:58:41
